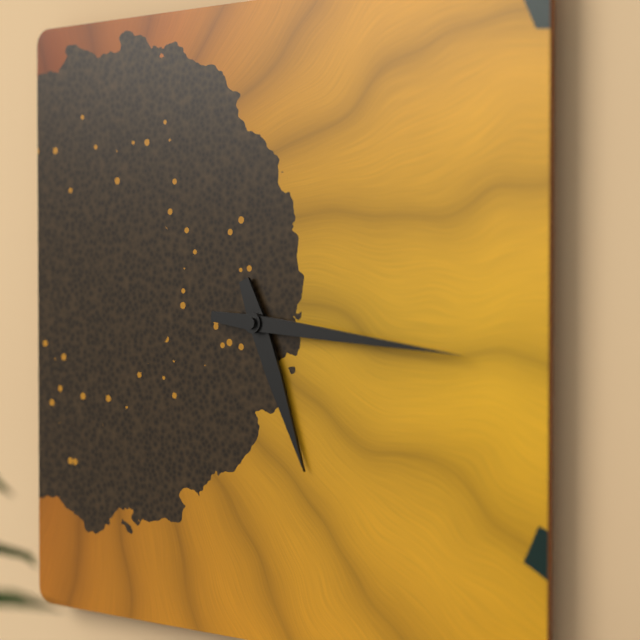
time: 5:16
